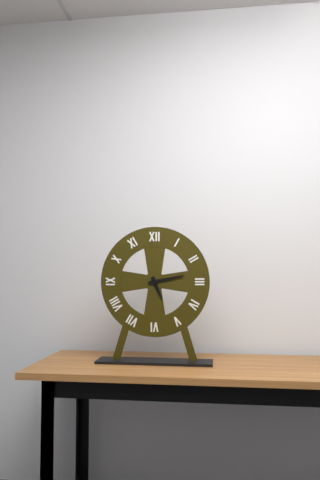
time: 5:13
